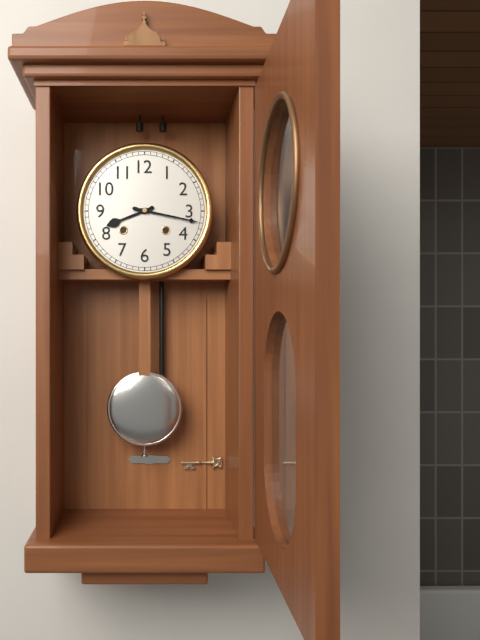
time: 8:17
